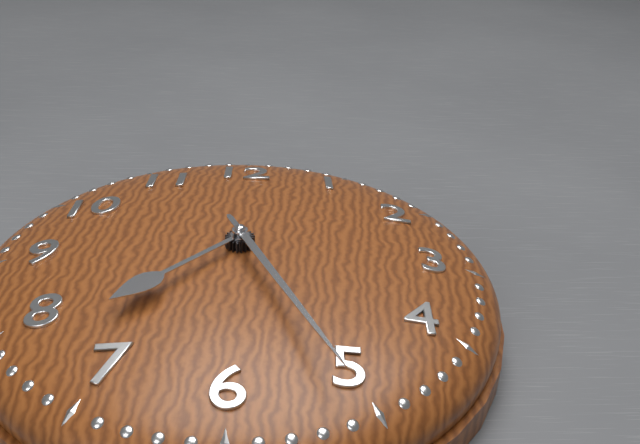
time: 7:26
